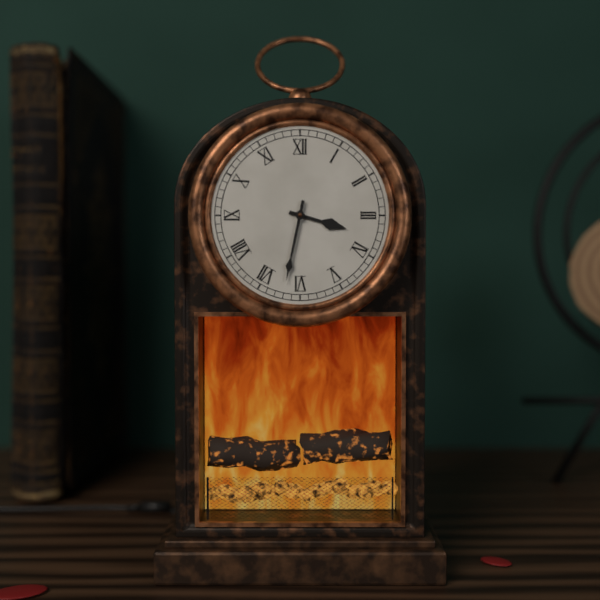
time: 3:32
